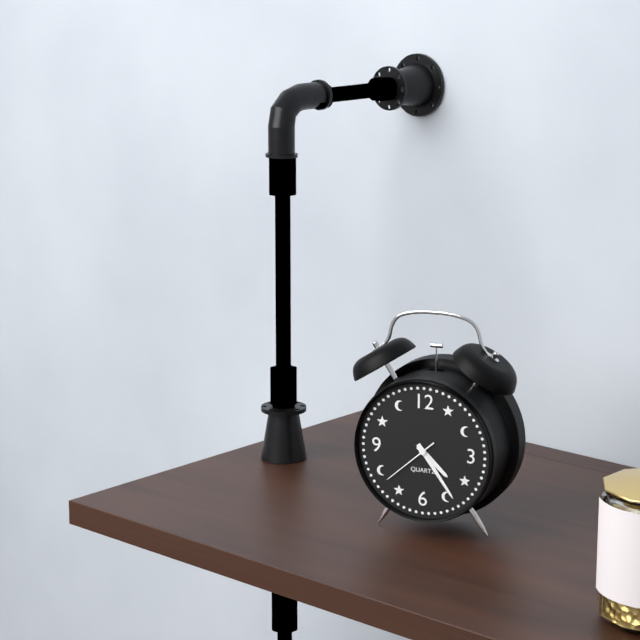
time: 4:24:38
